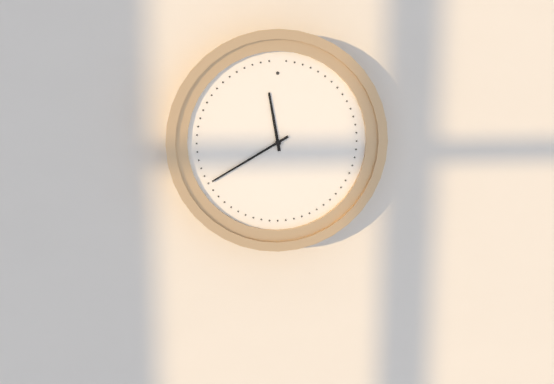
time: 11:40
